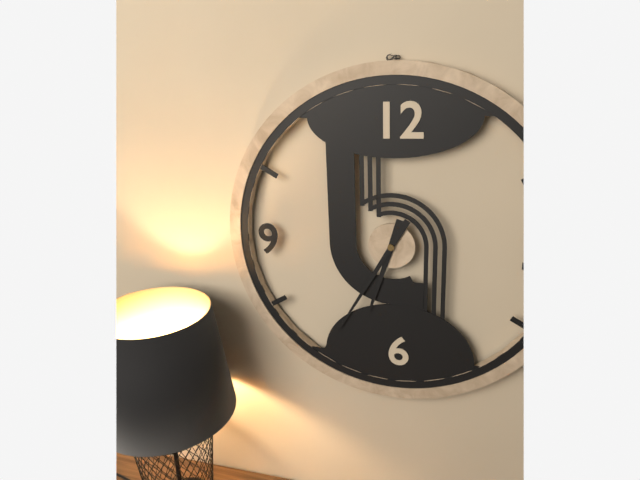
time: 6:35
